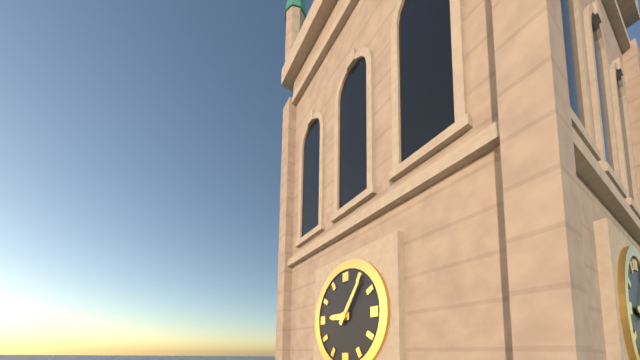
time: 9:06
